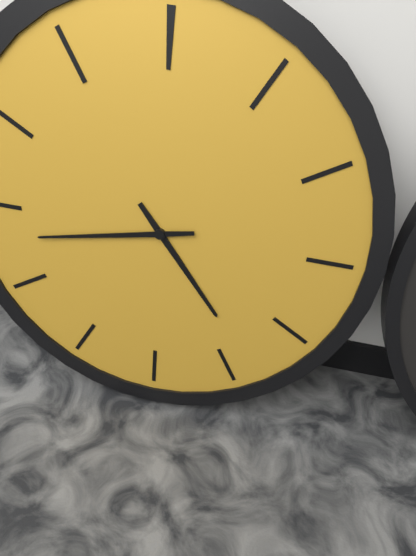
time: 4:43
